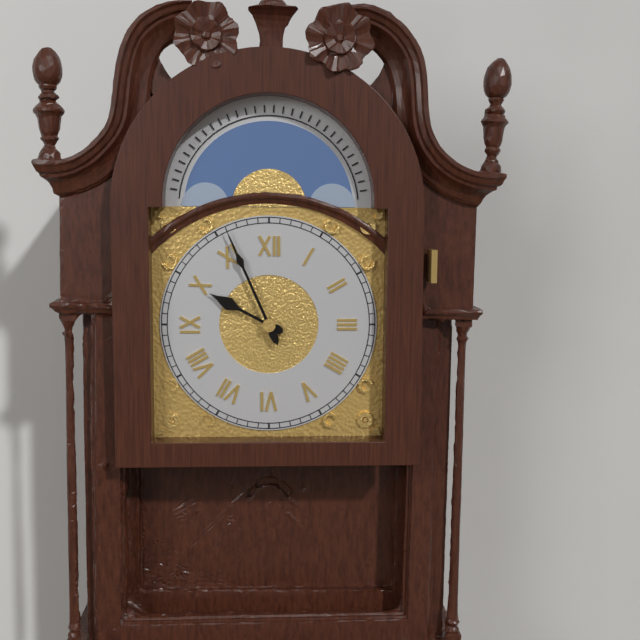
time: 9:56
